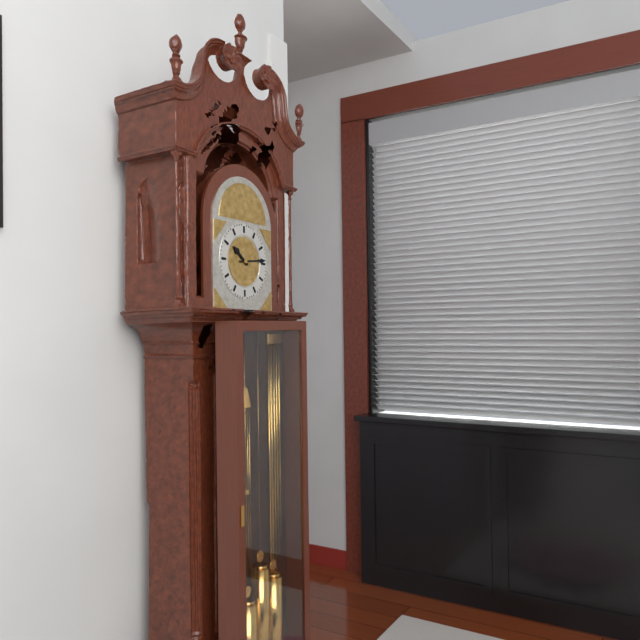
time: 10:14
